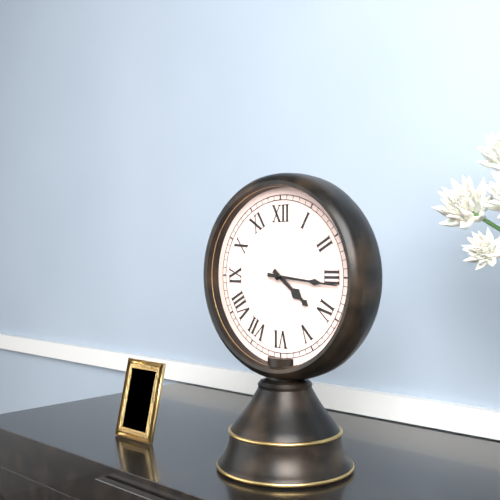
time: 4:16
